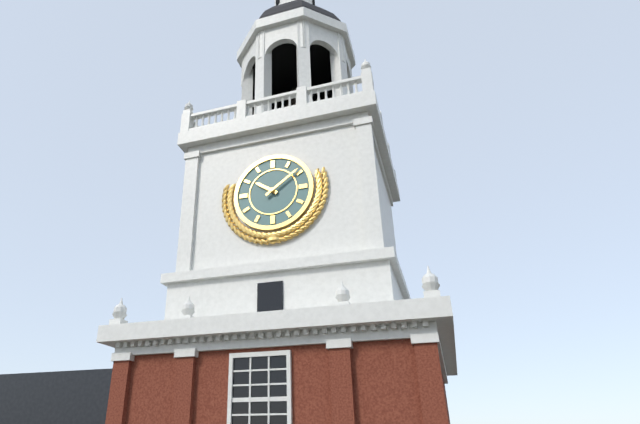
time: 10:09
